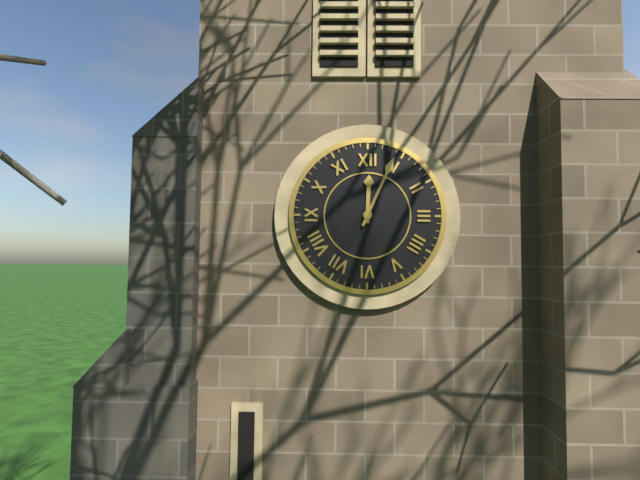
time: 12:04
